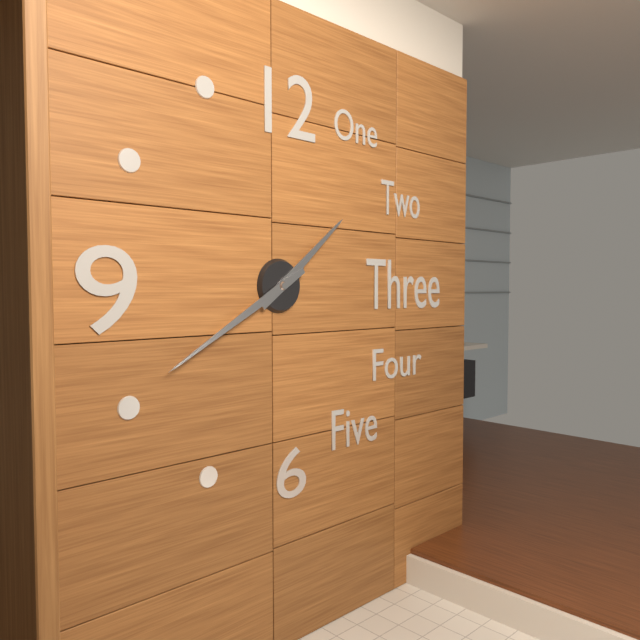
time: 1:40
